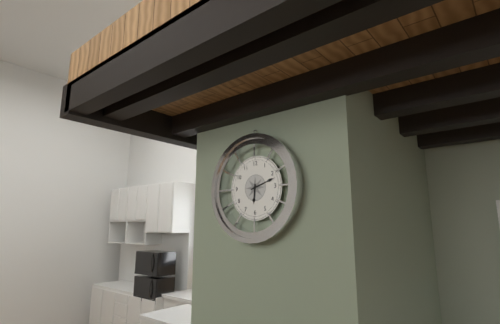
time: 6:12
